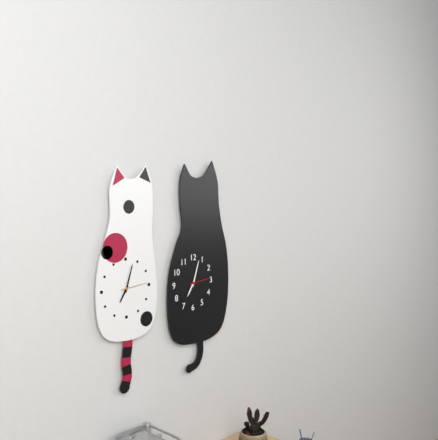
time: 7:03
